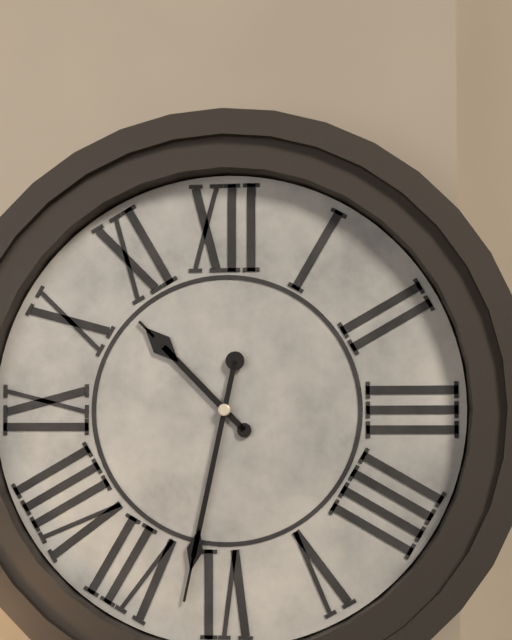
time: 10:32
